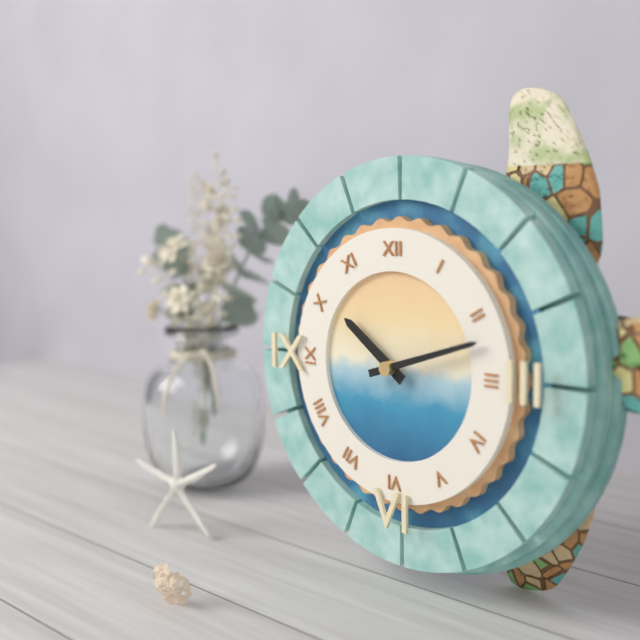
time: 10:12
